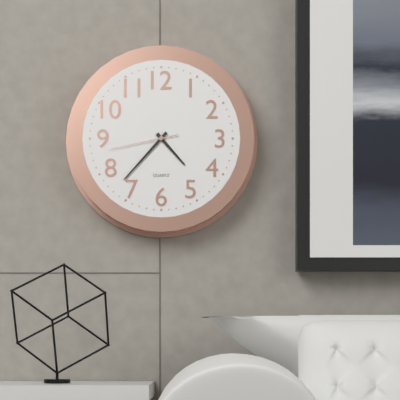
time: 4:37:43
